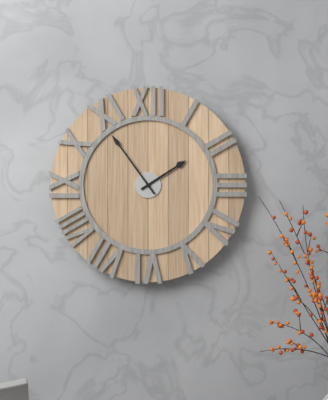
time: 1:54
